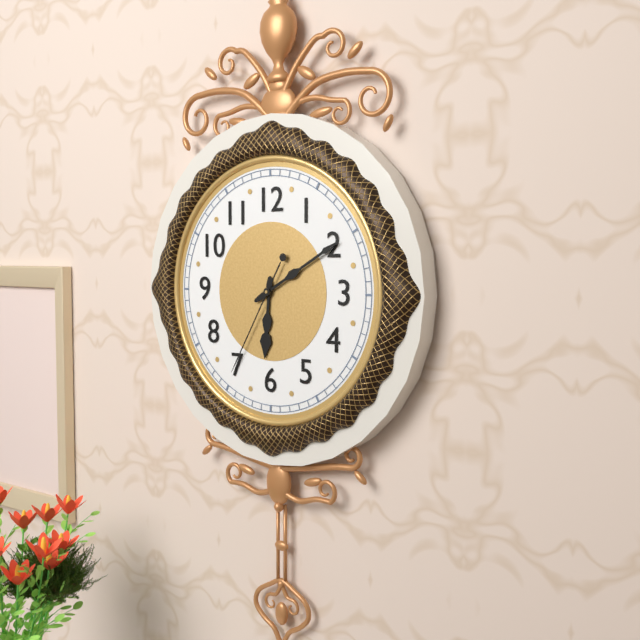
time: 6:10:35
